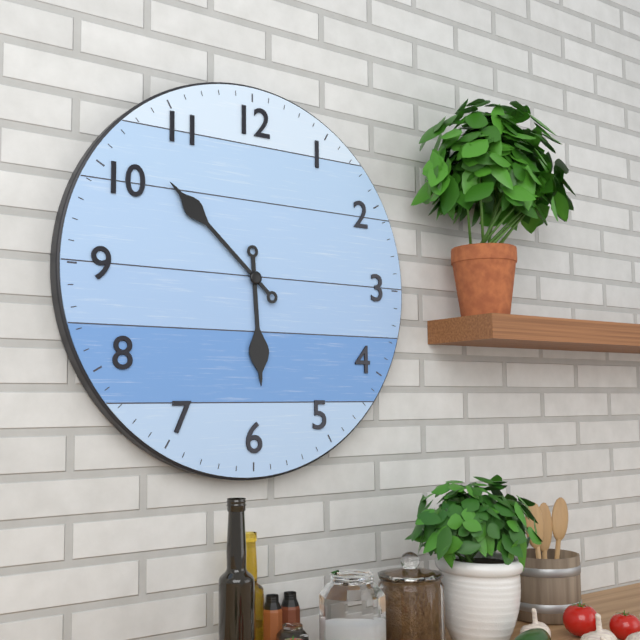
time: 5:52
